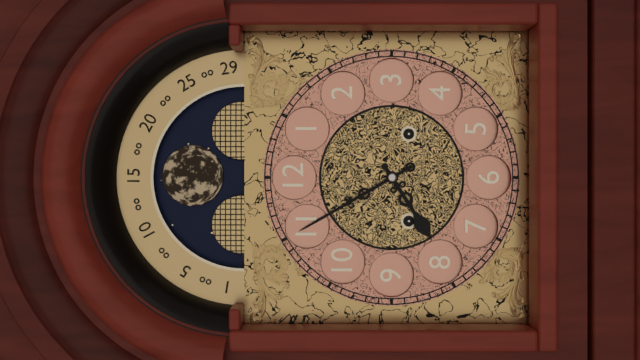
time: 7:55
